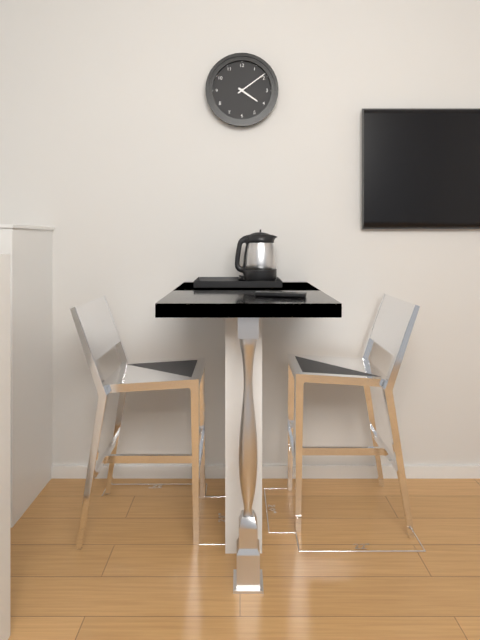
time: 4:09
